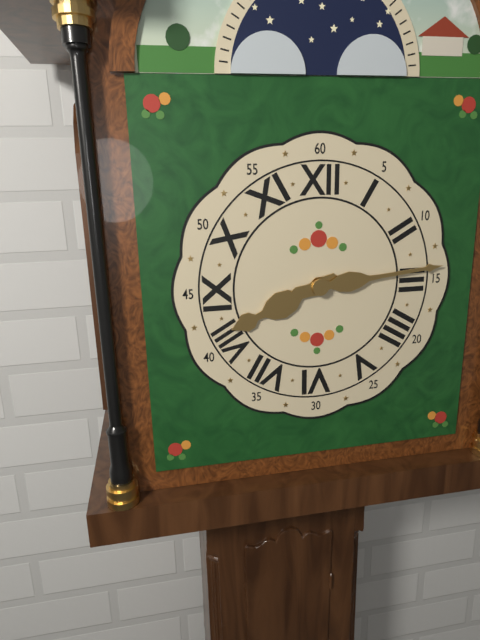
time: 8:14
